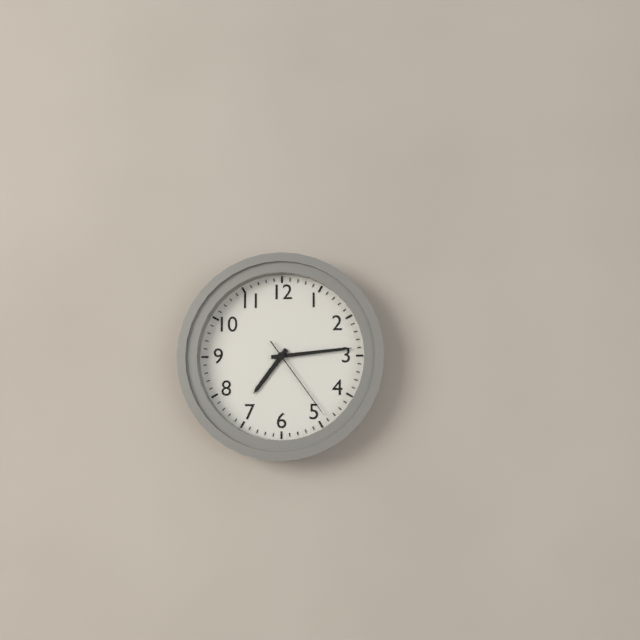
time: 7:14:24
